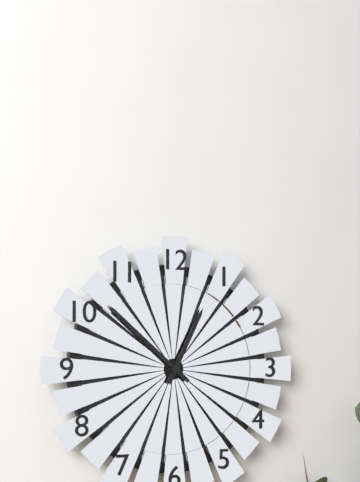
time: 12:52
